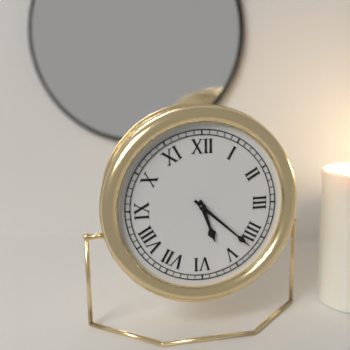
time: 5:22
